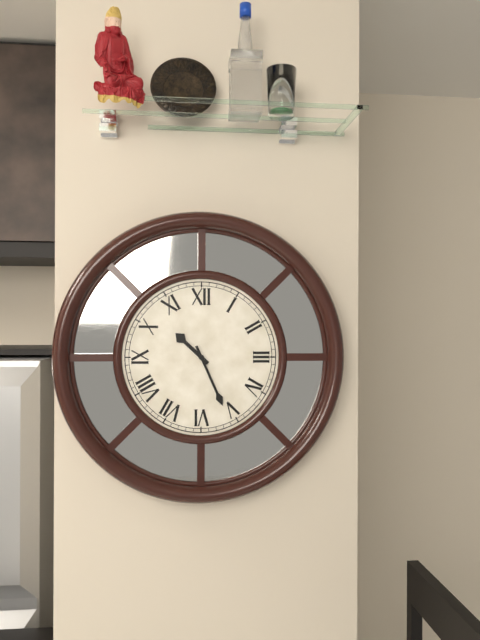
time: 10:26
